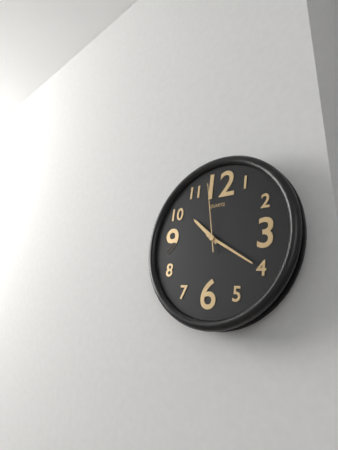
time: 10:20:58
